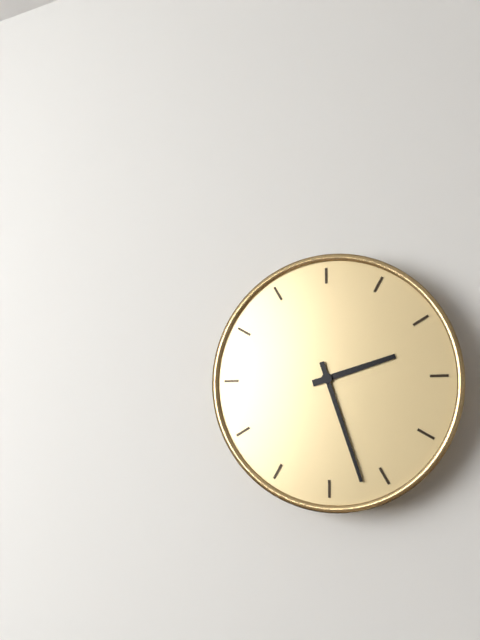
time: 2:27
